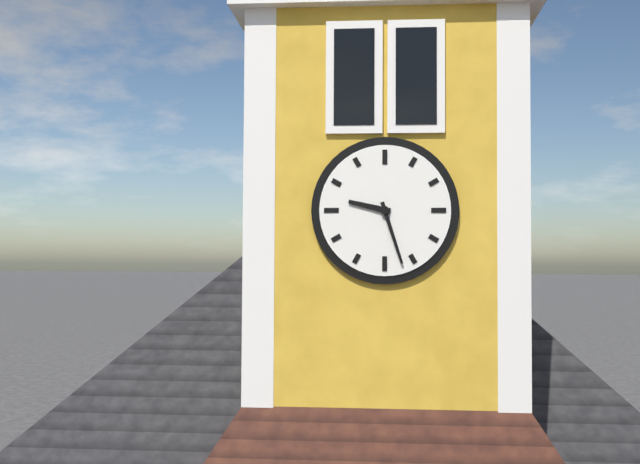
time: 9:27
